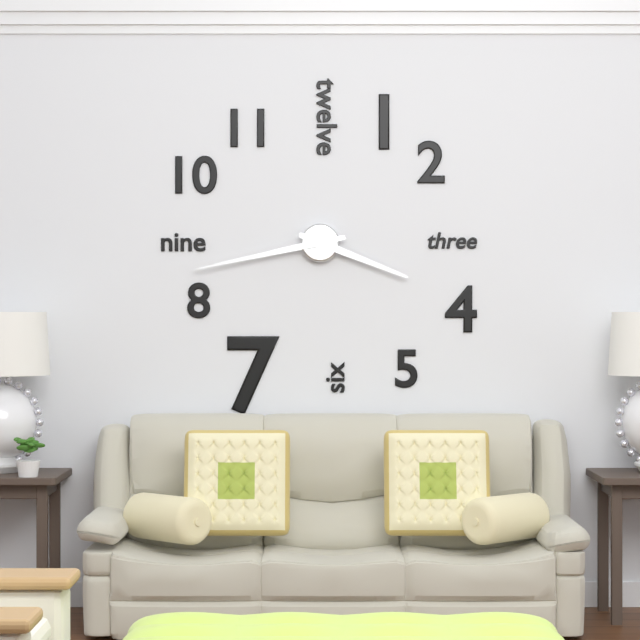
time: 3:43
